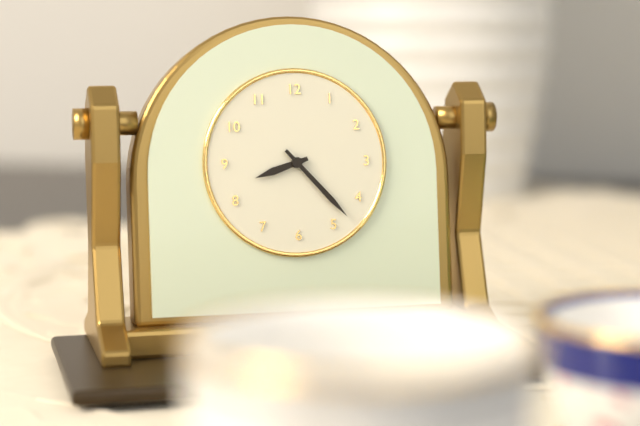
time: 8:23
